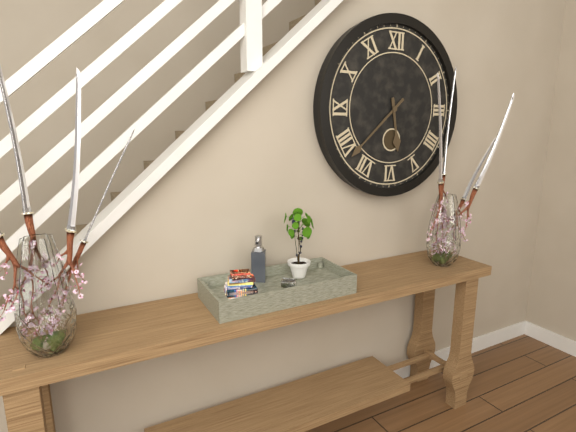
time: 5:38
